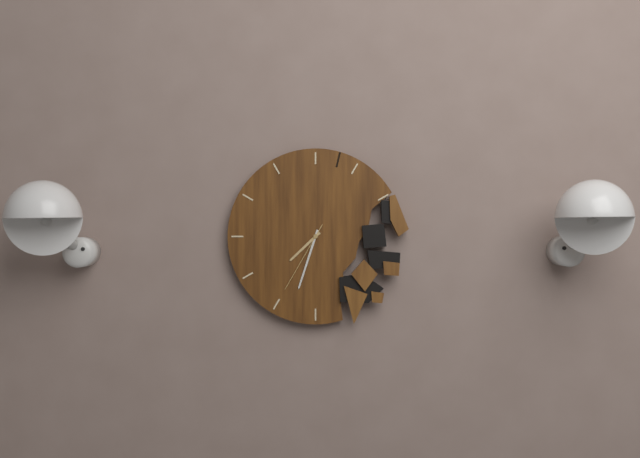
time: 7:33:35
